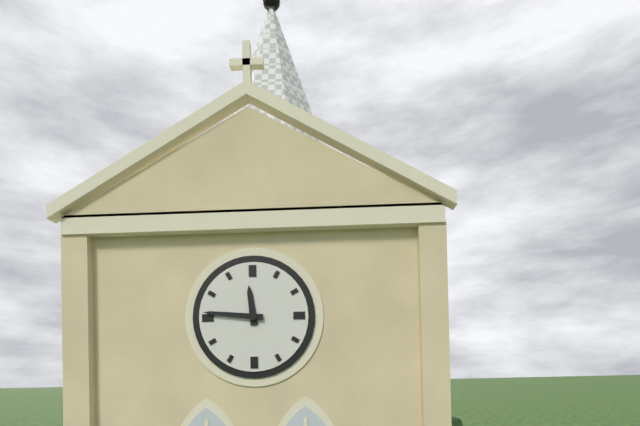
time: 11:46
